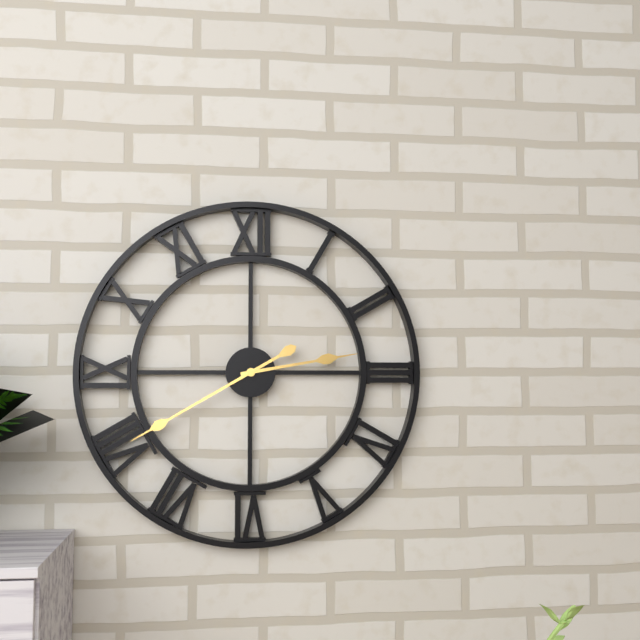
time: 2:40
